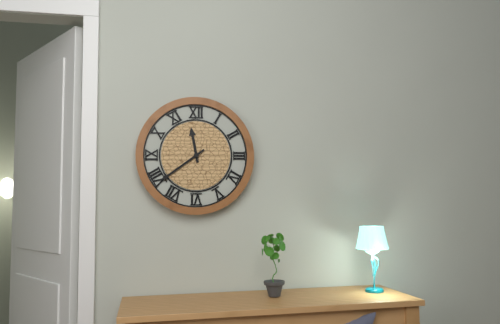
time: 11:39
